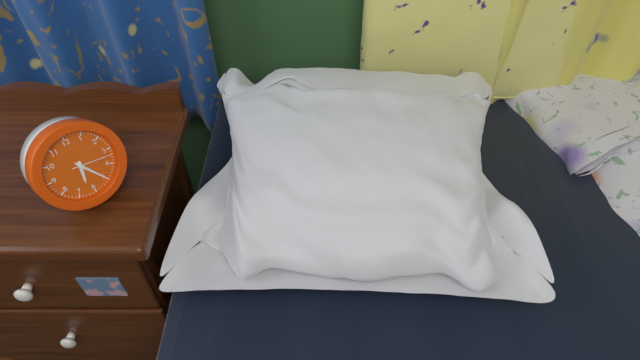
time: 6:25
